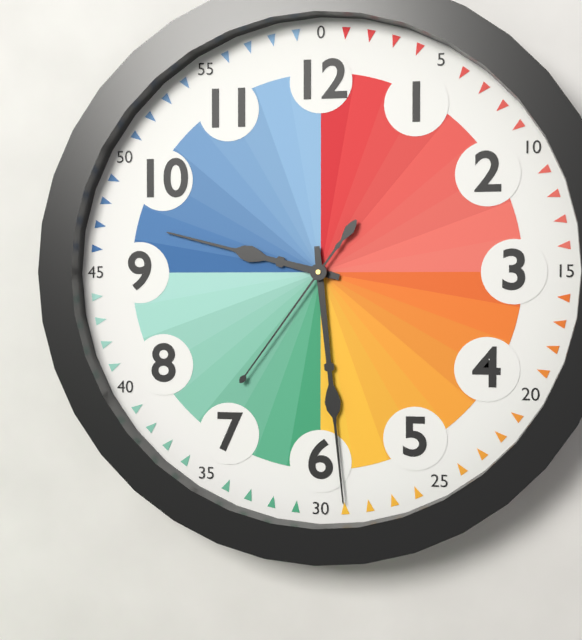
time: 9:29:36
